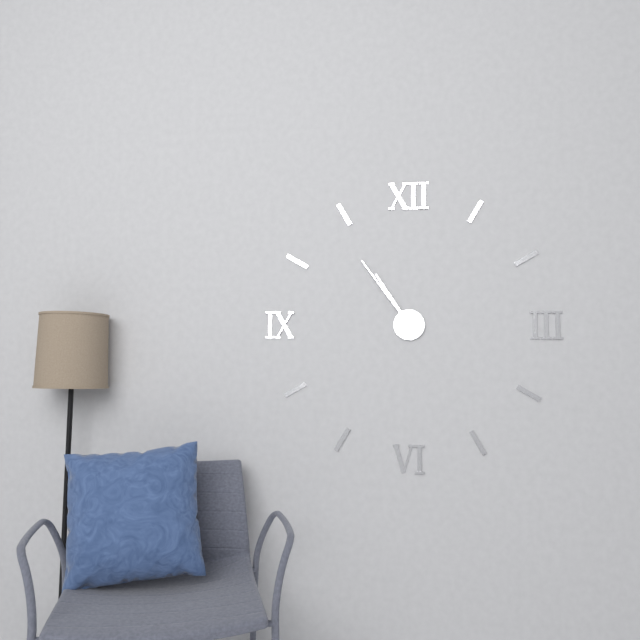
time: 10:54
